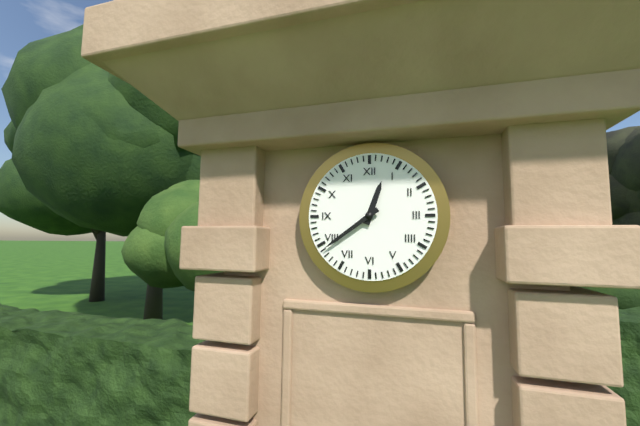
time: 12:39
